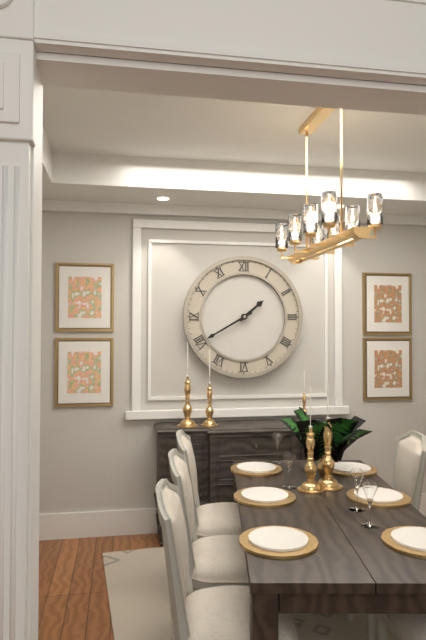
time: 1:40
